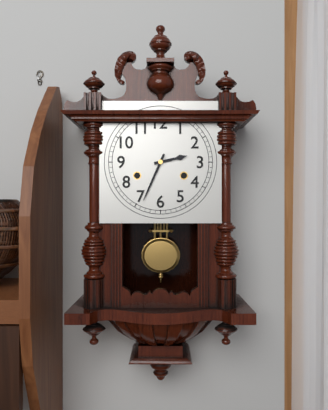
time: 2:34
